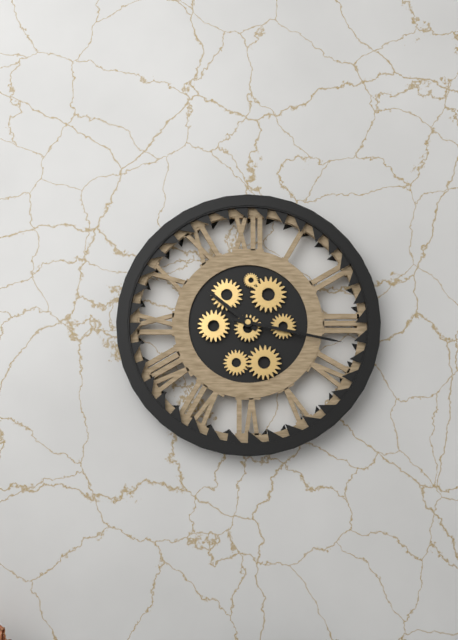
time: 10:17
